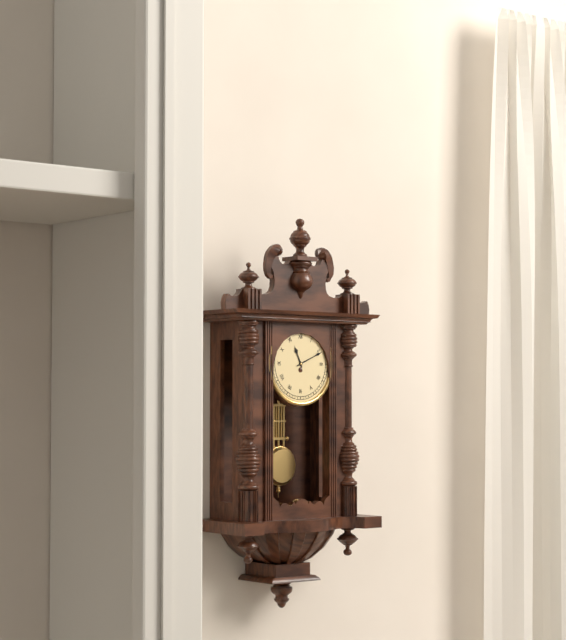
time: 11:11
